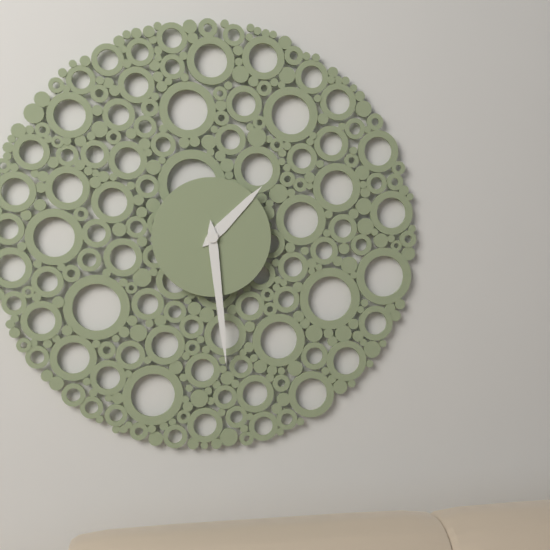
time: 1:29
